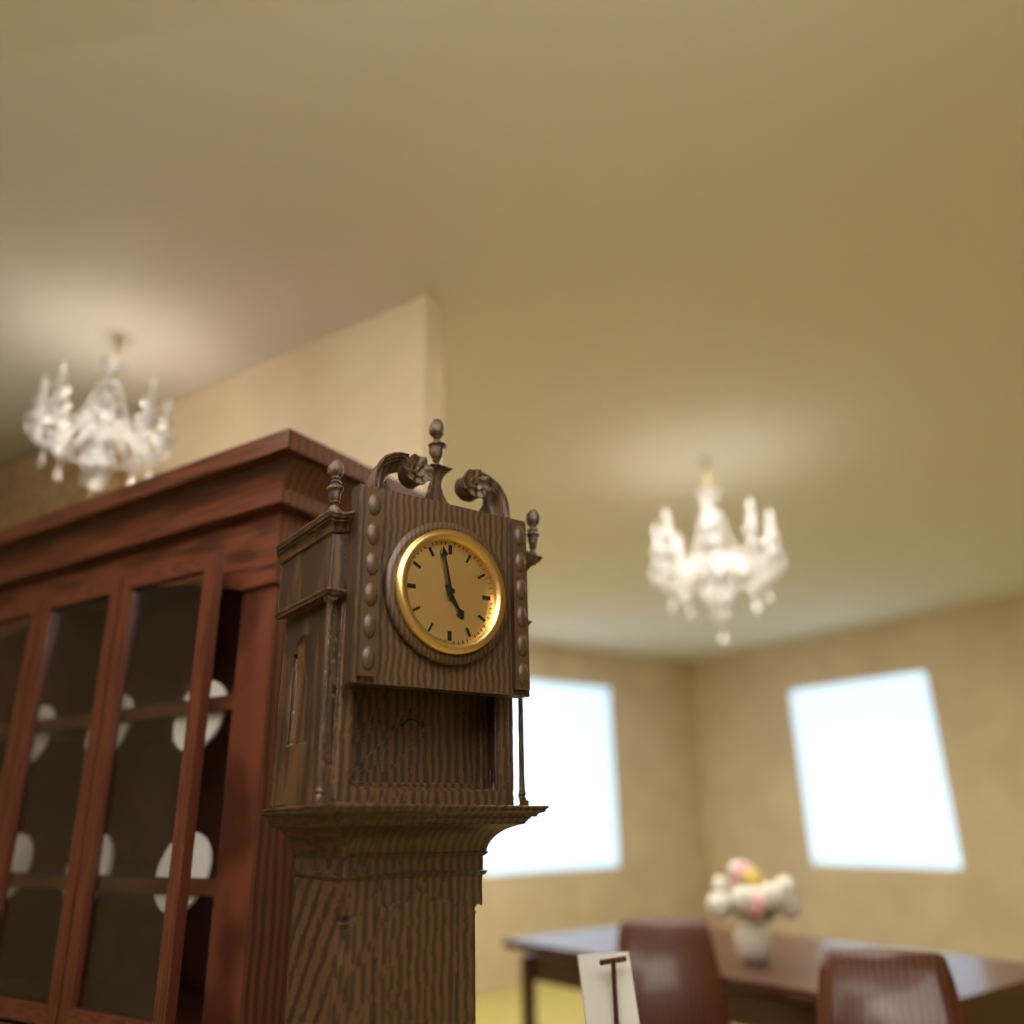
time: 4:58
